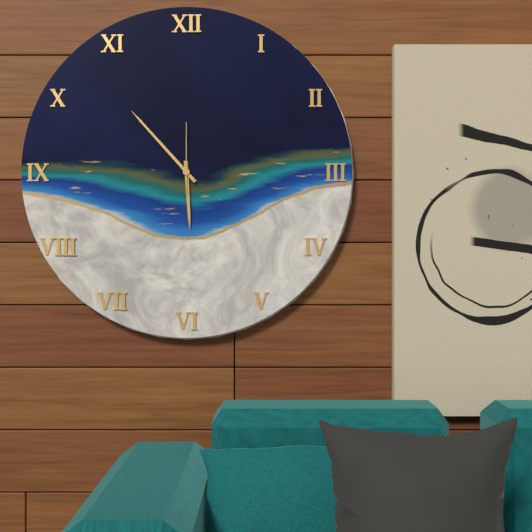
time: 5:53:00
